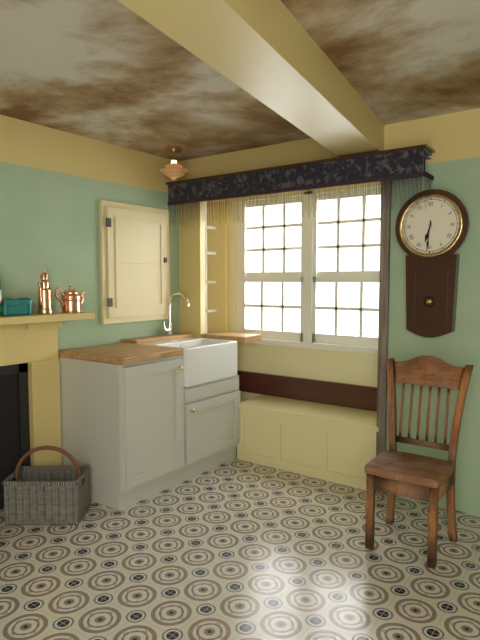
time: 6:31
